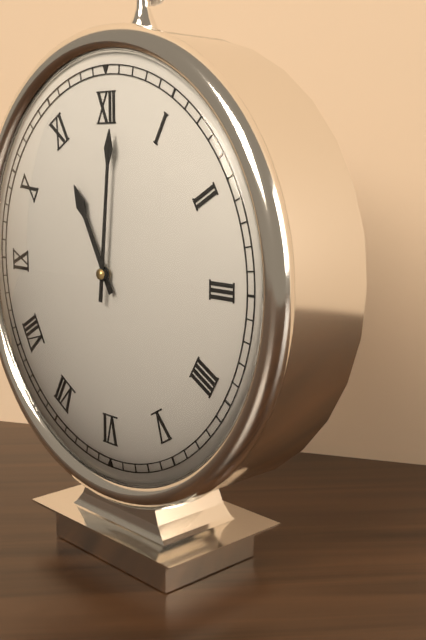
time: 11:01
